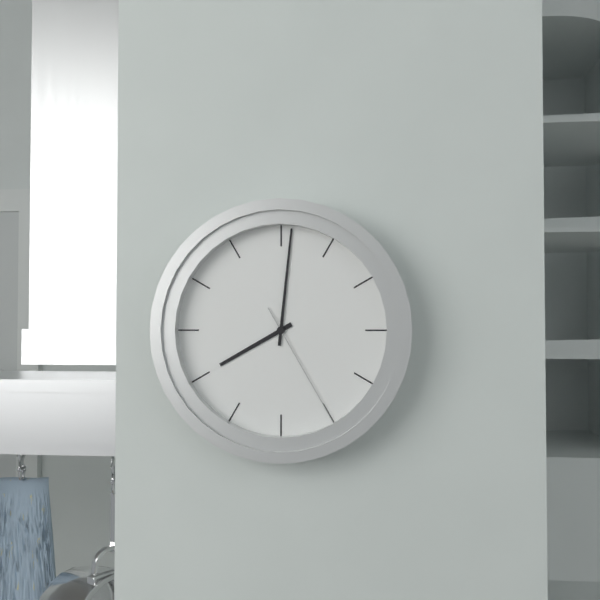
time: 8:01:25
